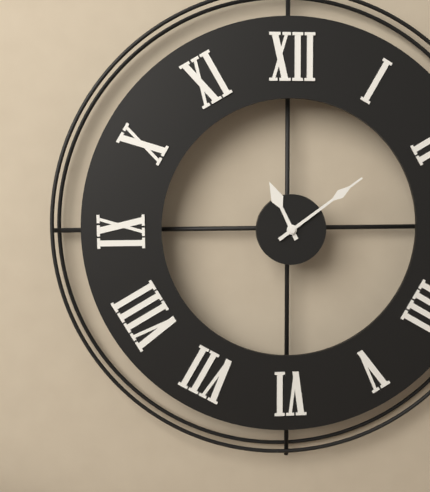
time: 11:09
